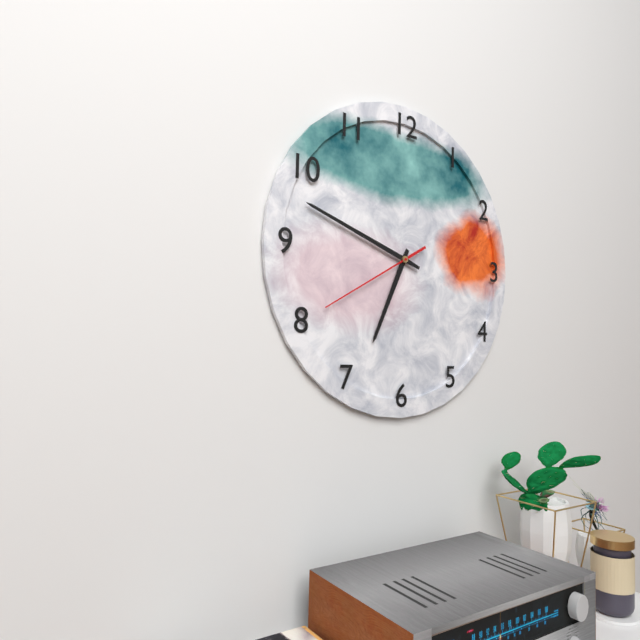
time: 6:48:40
